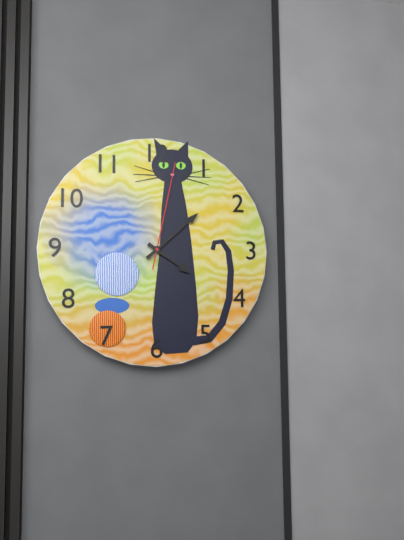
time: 4:08:02
